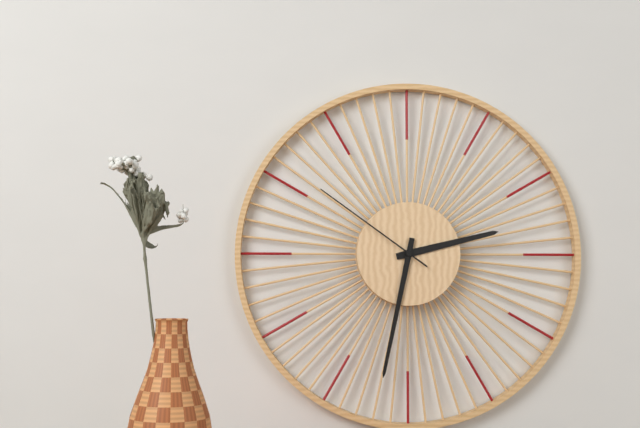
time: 2:32:51
